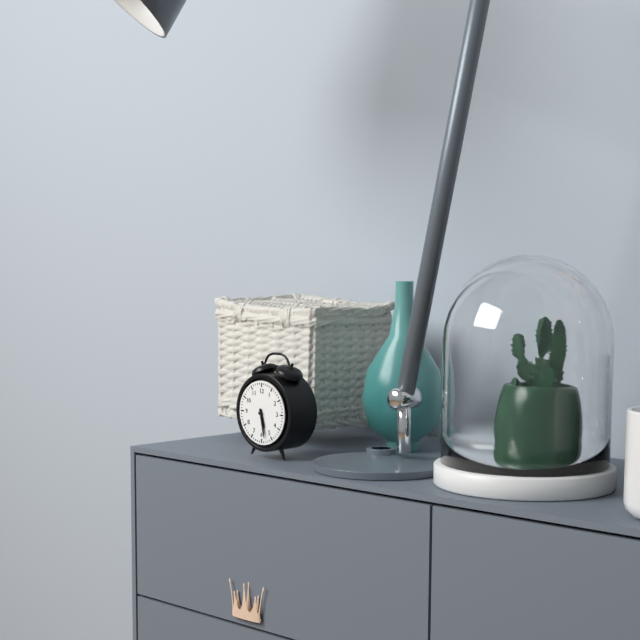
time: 5:28
